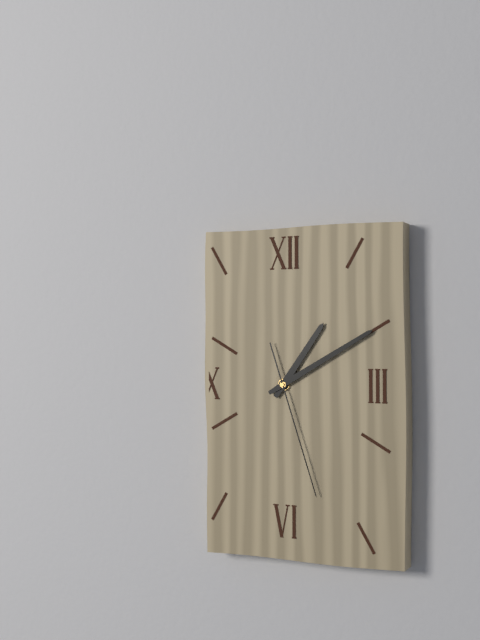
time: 1:10:27
